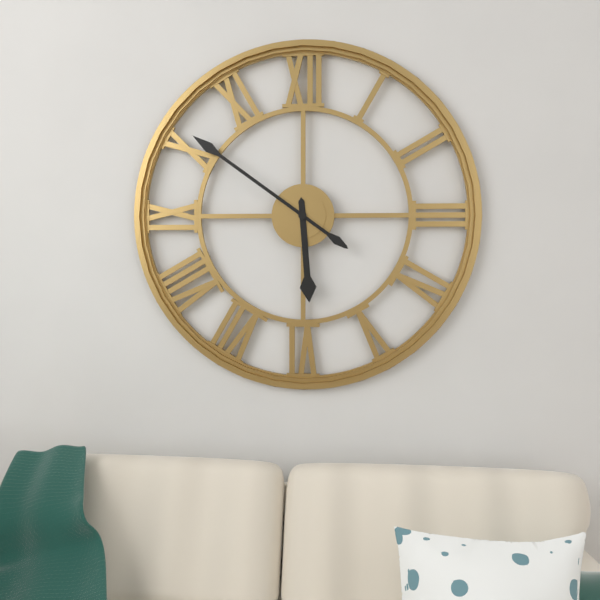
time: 5:51
